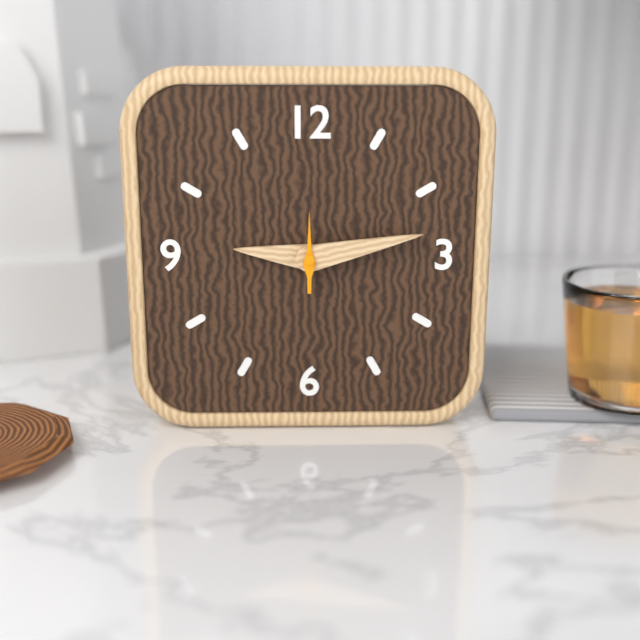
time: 9:13:00
